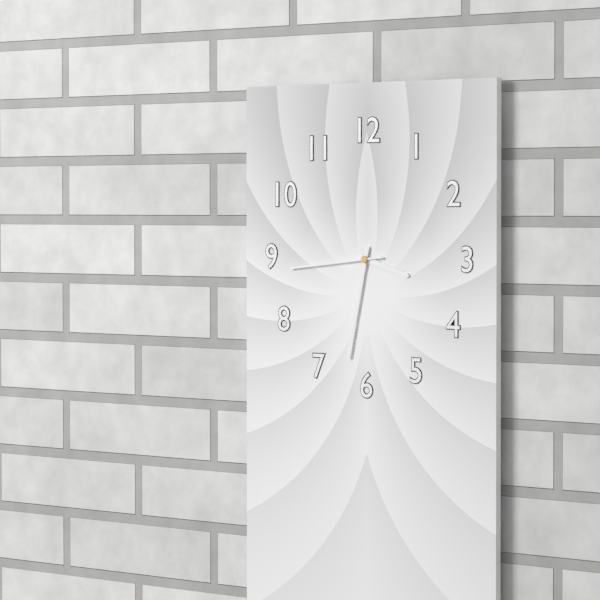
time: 3:32:44
